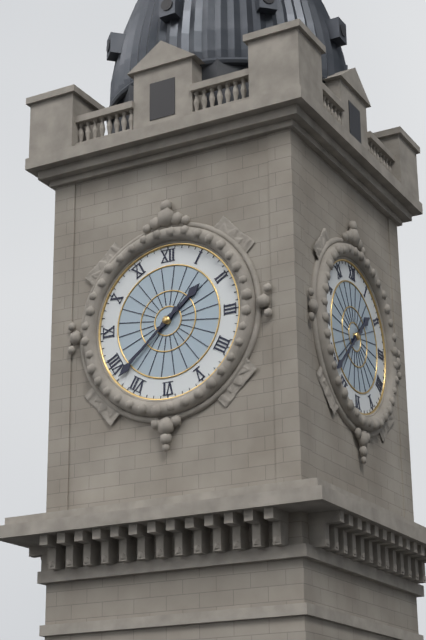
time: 1:38
